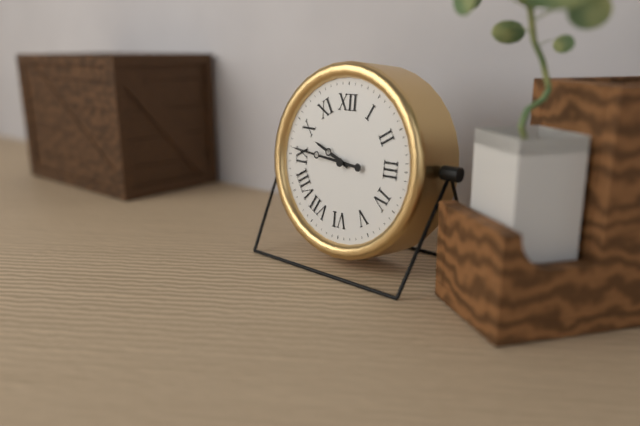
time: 9:46
